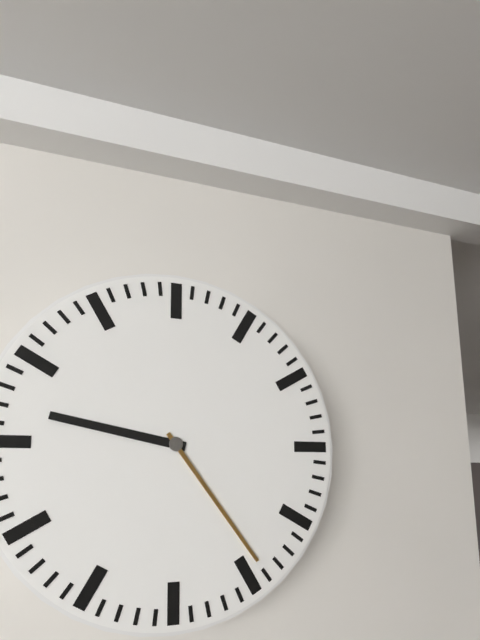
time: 9:24
